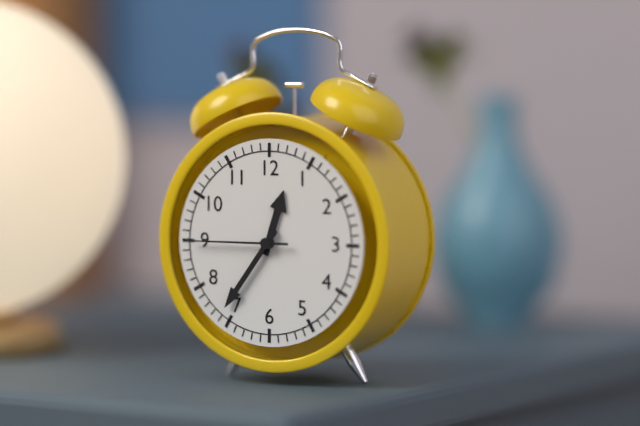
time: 12:36:45
